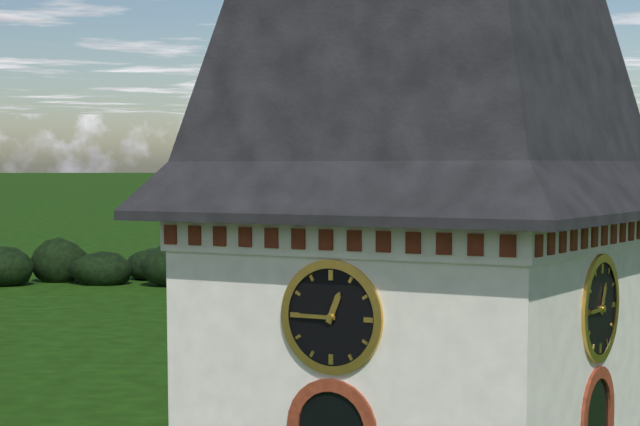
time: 12:45
